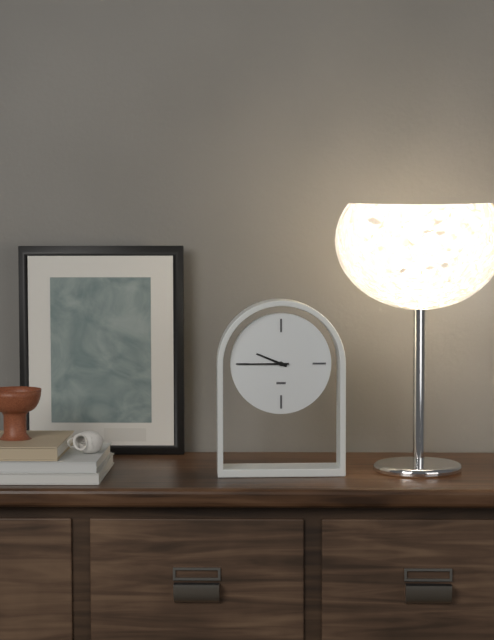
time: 9:45
